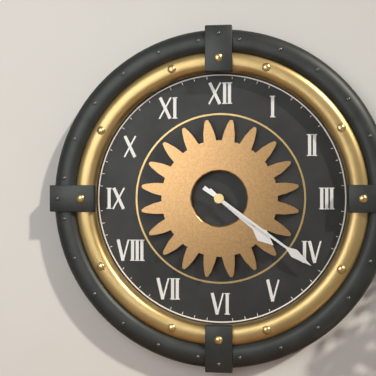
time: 4:21
